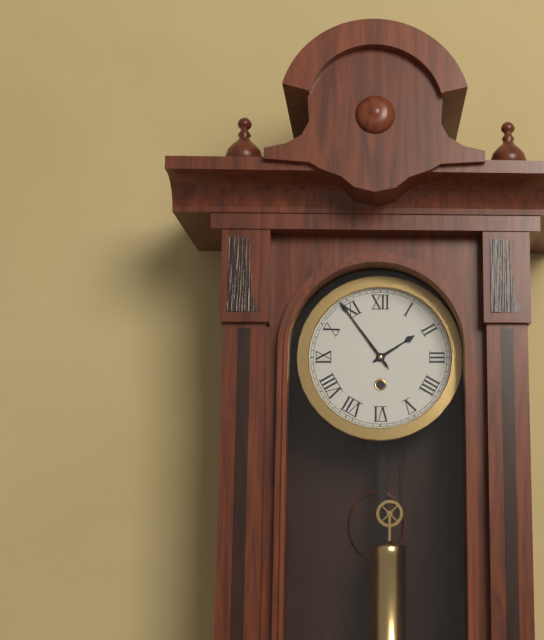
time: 1:54
